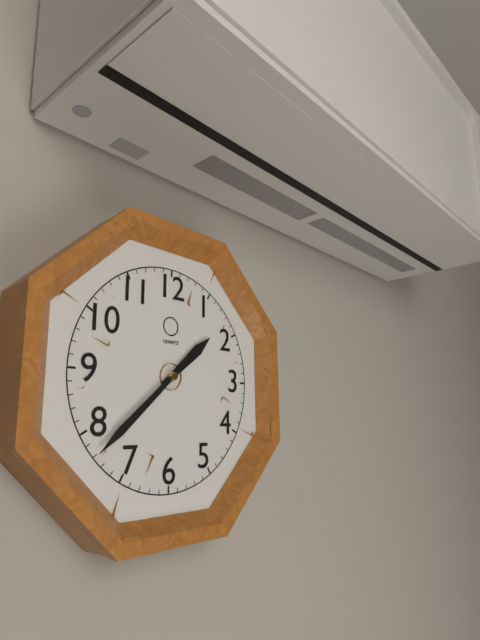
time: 1:38
